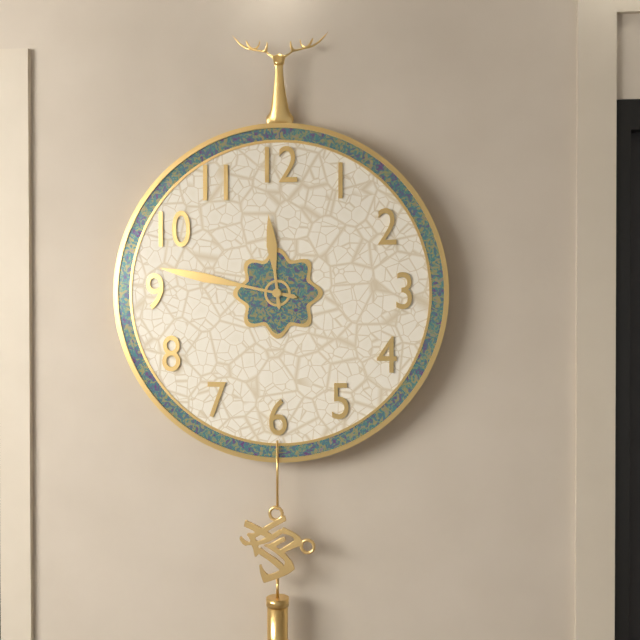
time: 11:47
